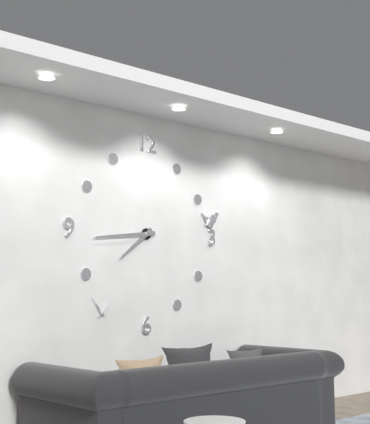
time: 7:44
